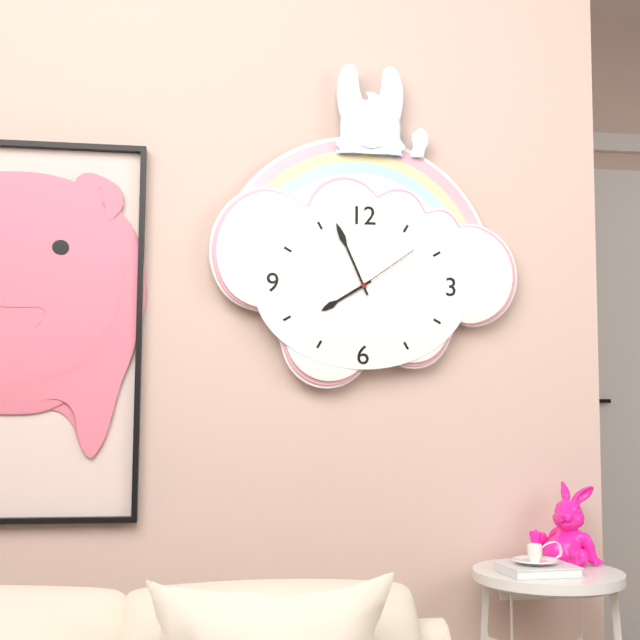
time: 7:56:09
